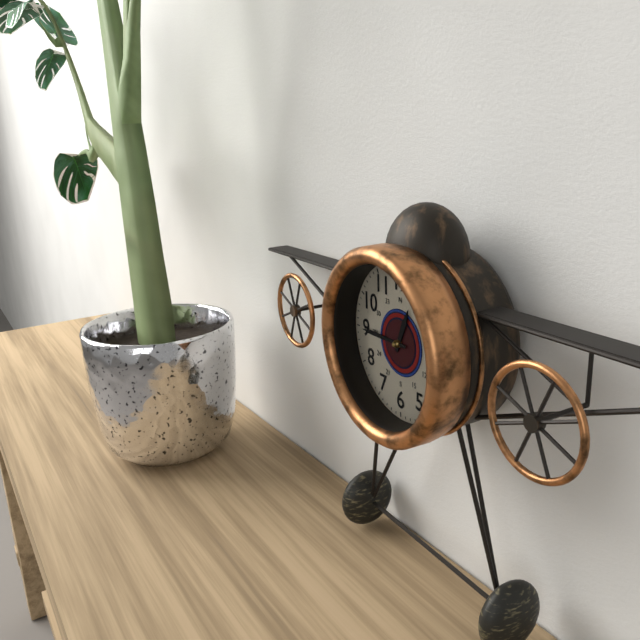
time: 12:45
